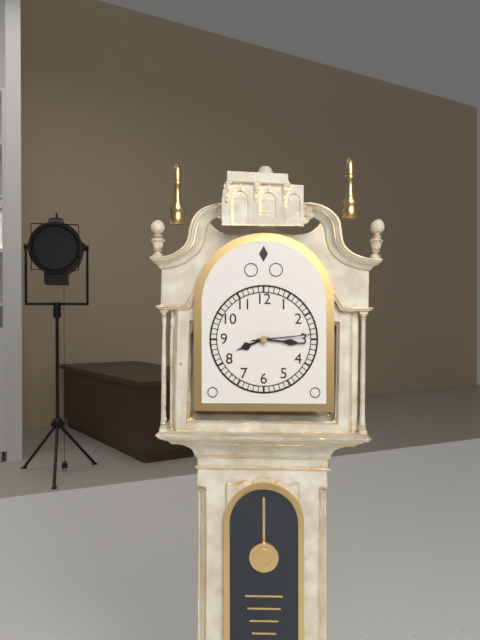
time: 8:16:14
